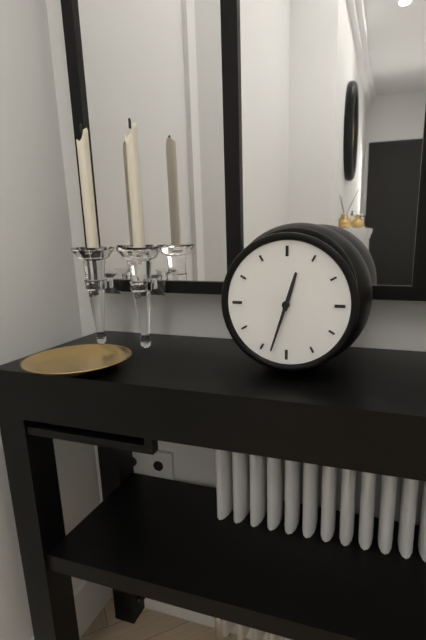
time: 12:33
